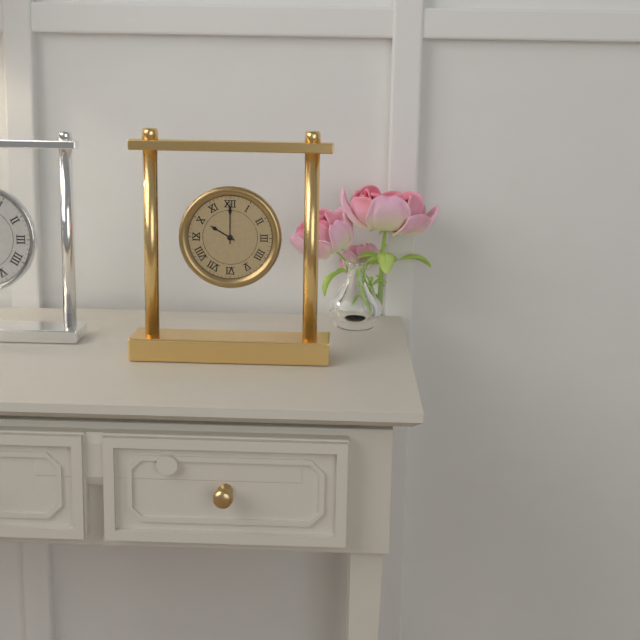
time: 10:00
